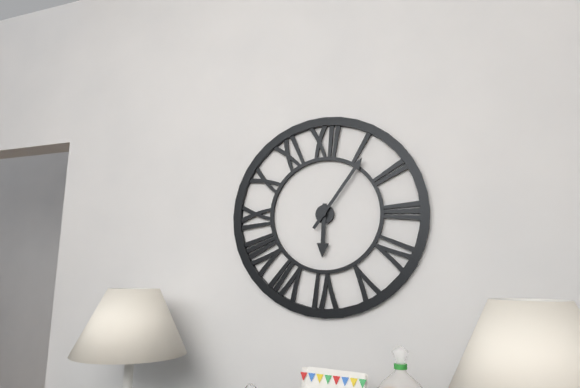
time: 6:06
